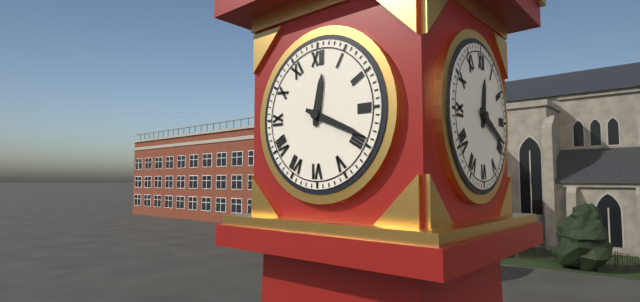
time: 12:19
